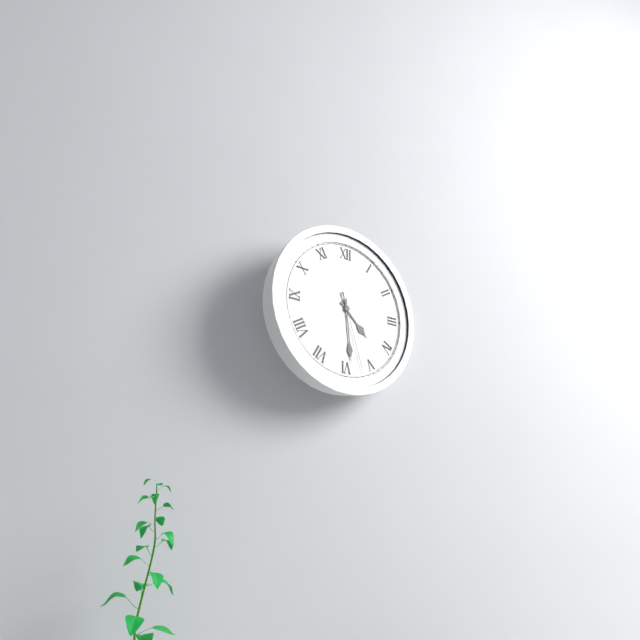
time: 4:29:27
